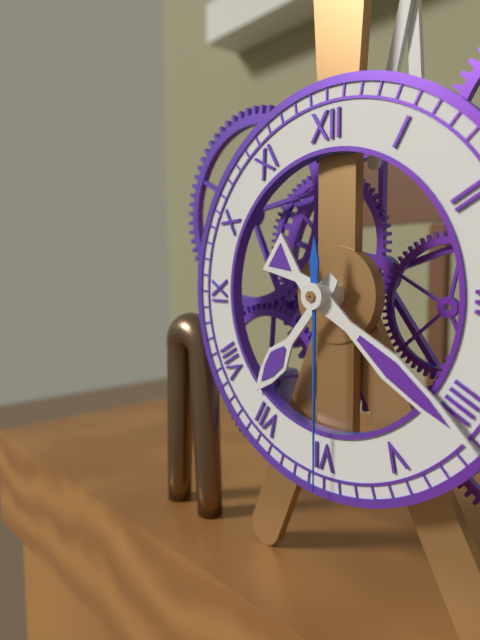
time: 7:21:30
